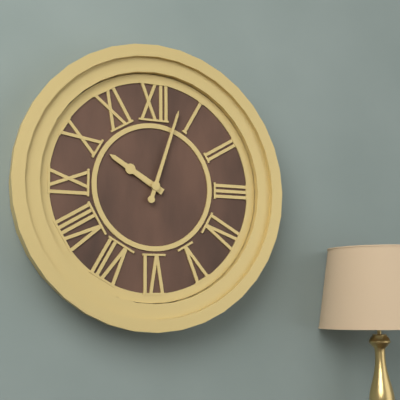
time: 10:03
